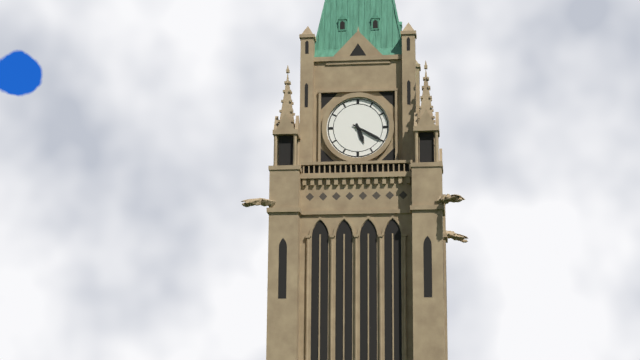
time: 5:20
